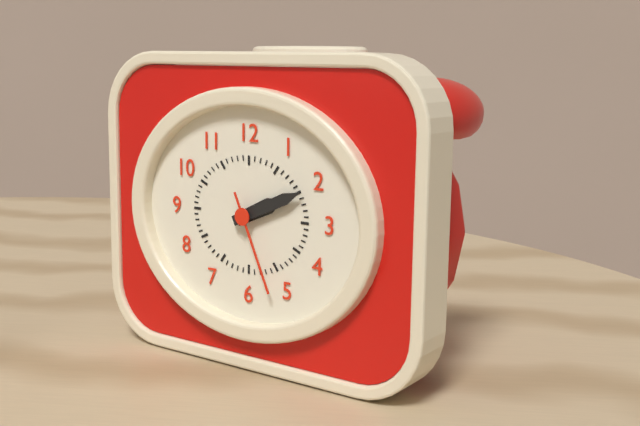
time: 2:11:26
